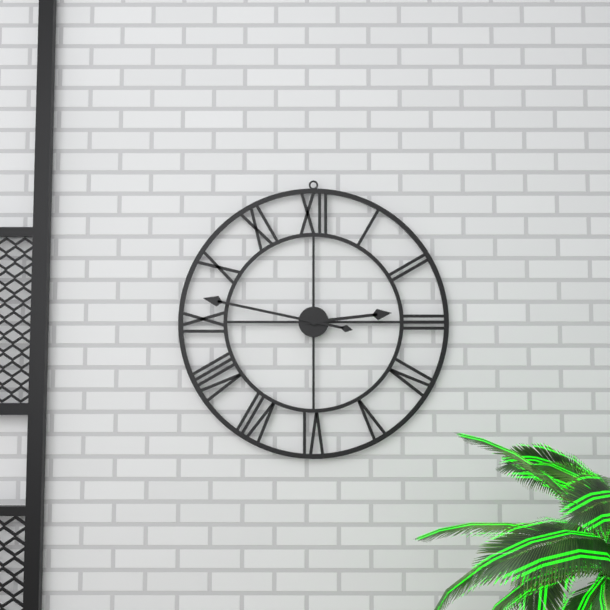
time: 2:47
